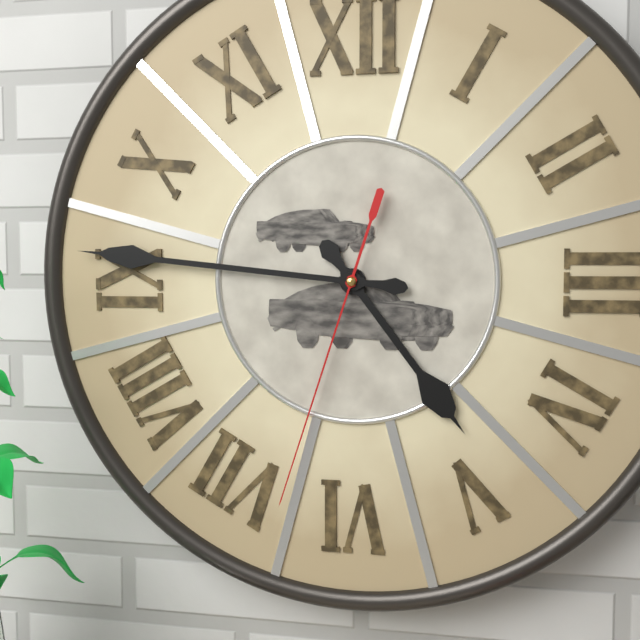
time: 4:46:33
